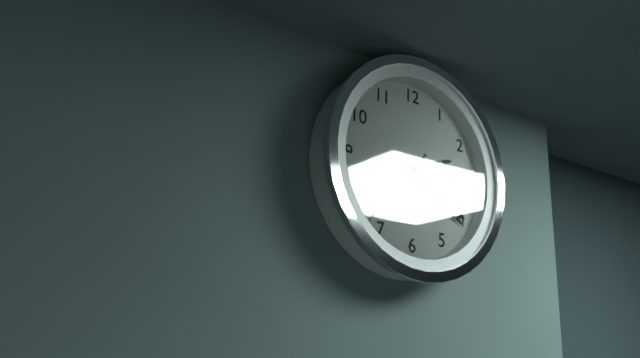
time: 2:21:37
